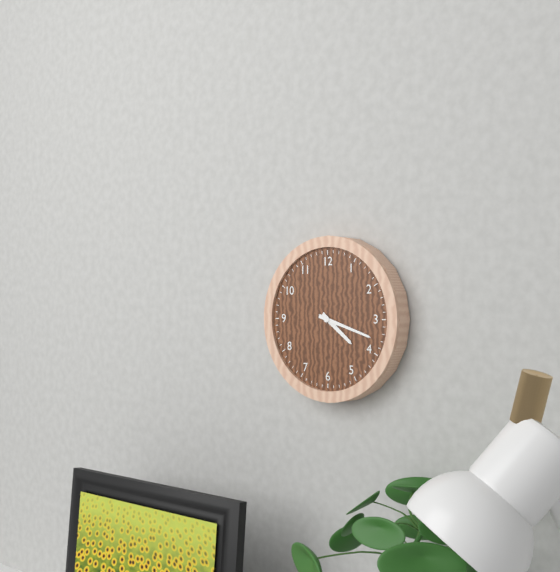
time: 4:18
